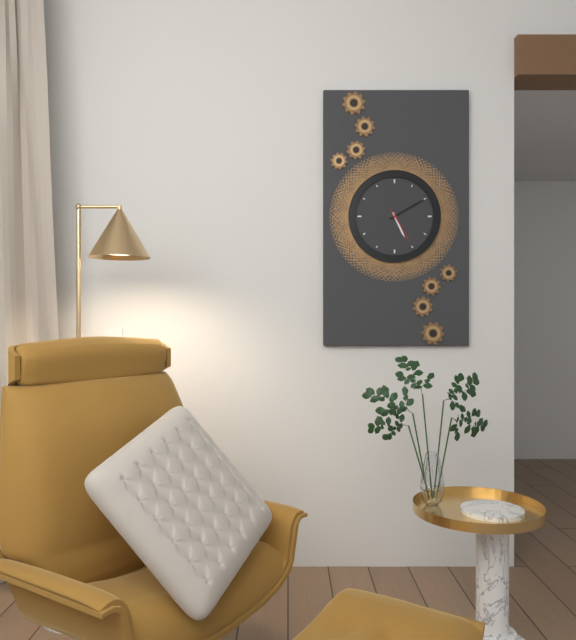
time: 5:10
